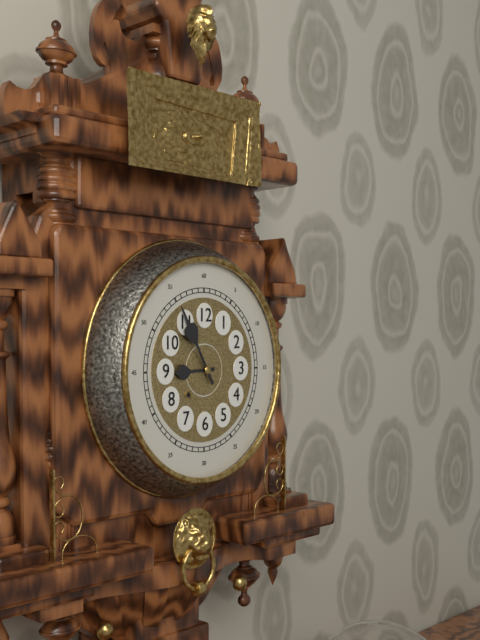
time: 8:55
